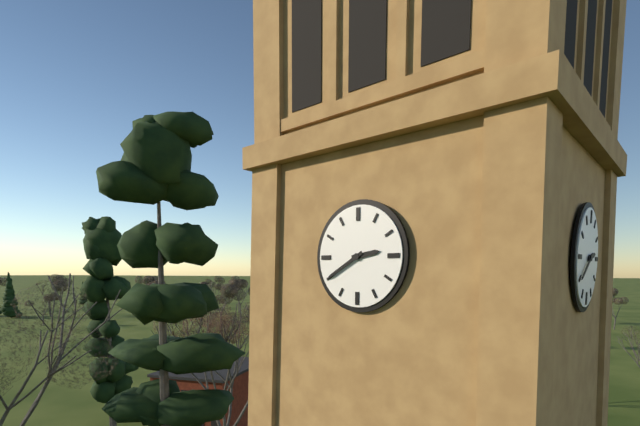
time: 2:40
